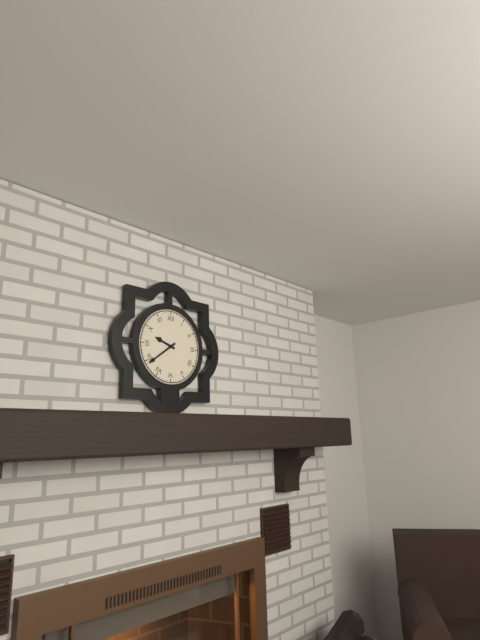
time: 9:39
